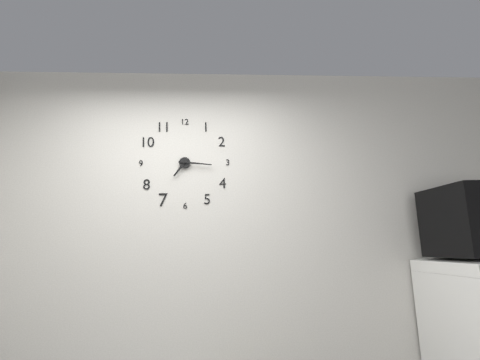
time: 7:16
